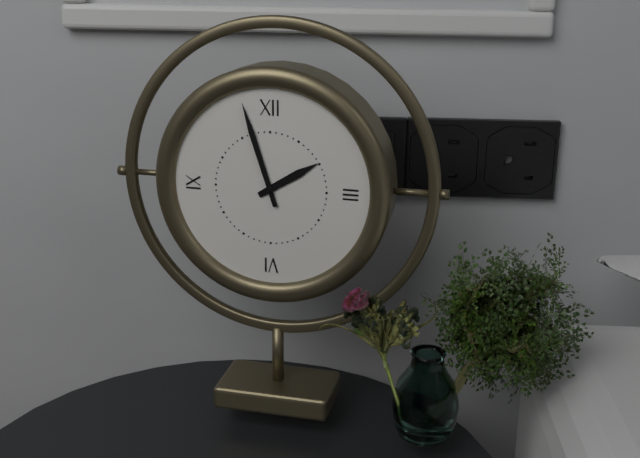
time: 1:57
